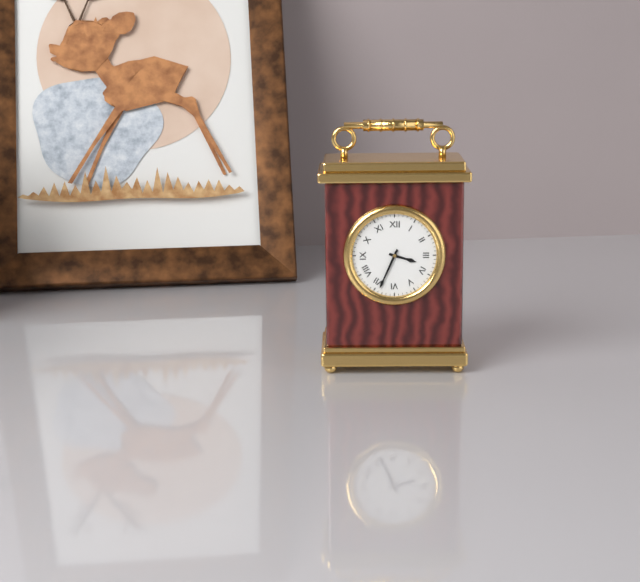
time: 3:34
